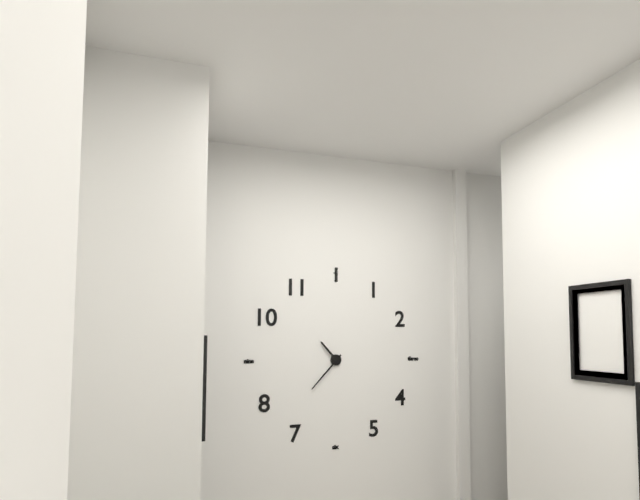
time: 10:37
